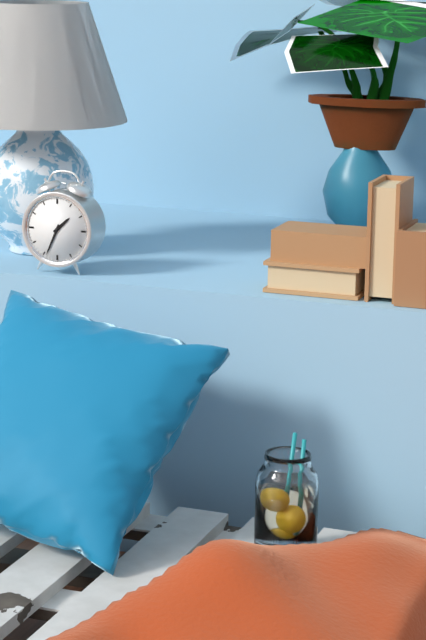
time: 1:34
